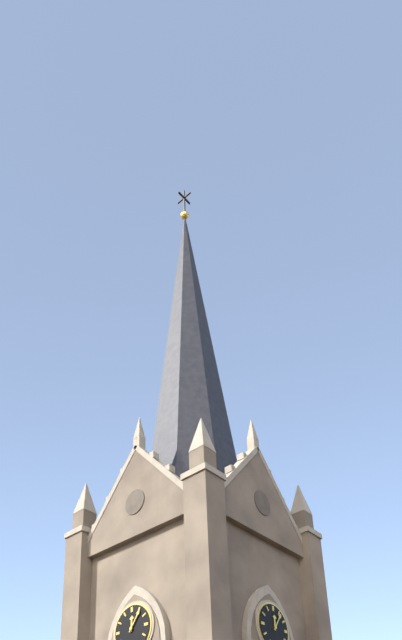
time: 12:06
